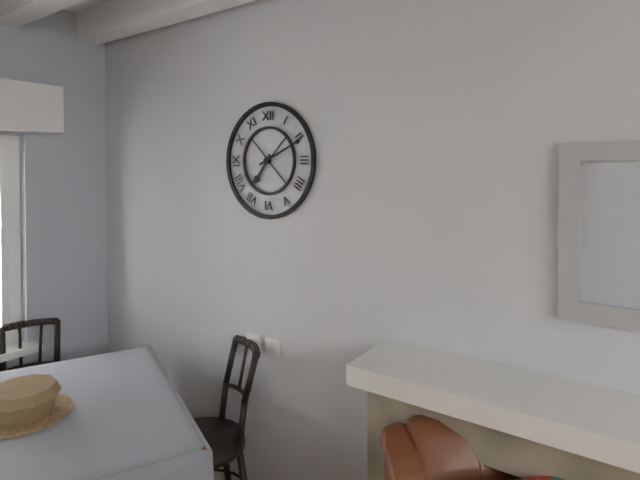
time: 7:11
